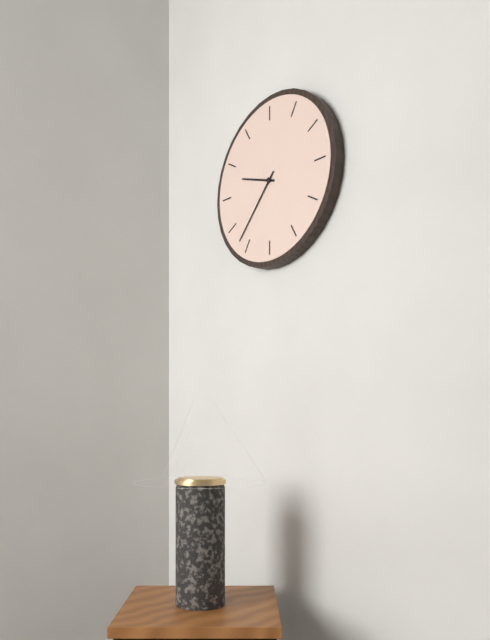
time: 9:37
